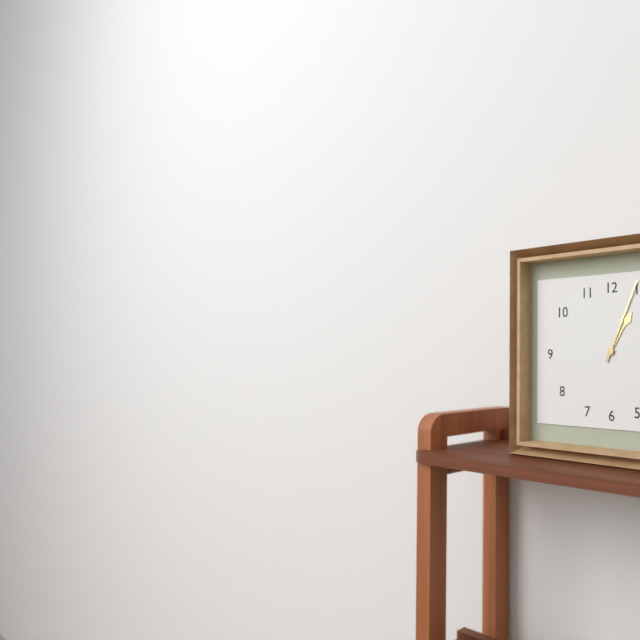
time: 1:04
